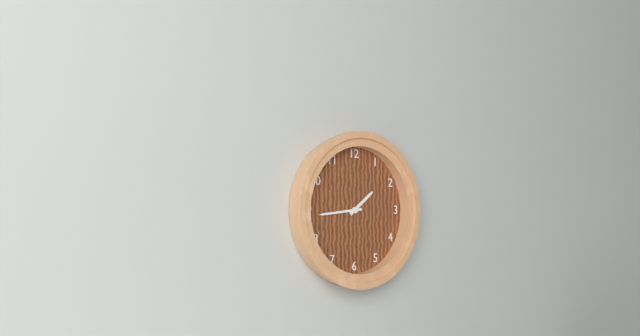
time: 1:44
